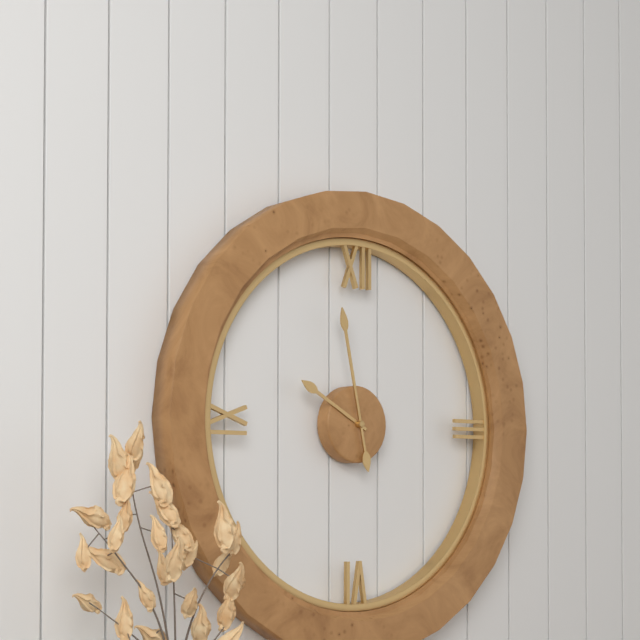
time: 9:58
